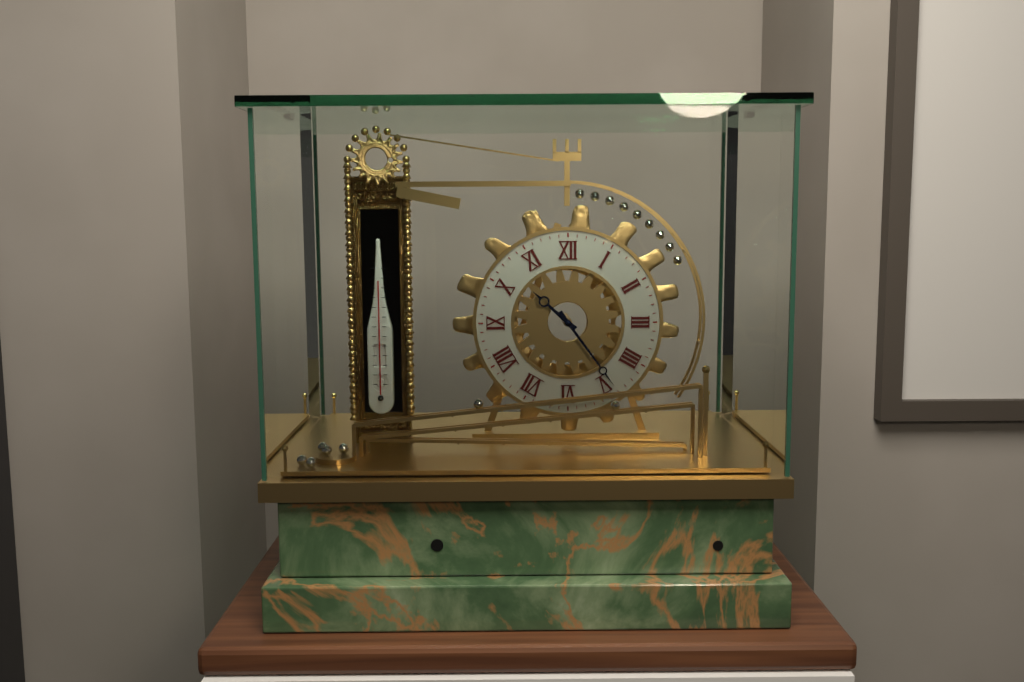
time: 10:24
